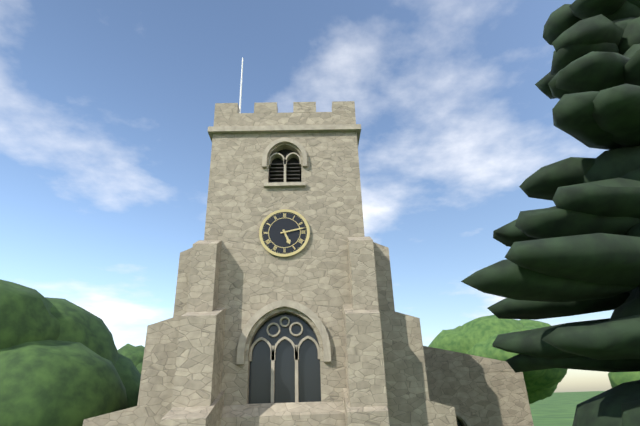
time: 5:13
